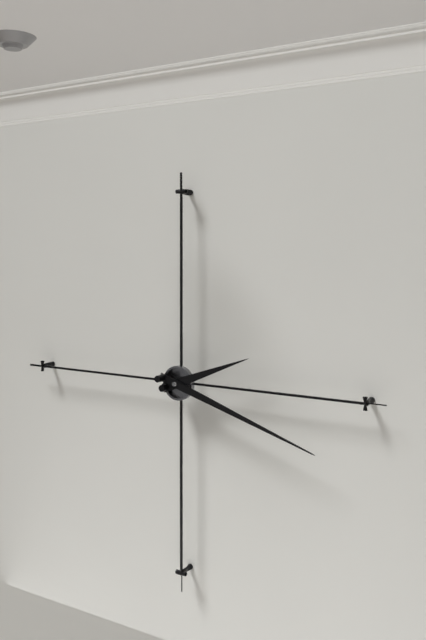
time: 2:18
